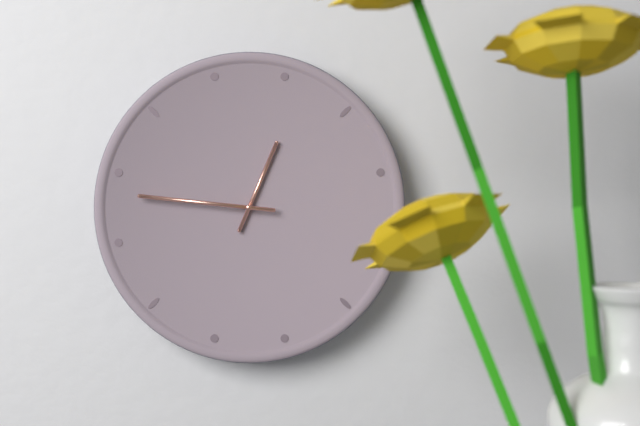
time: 12:46
